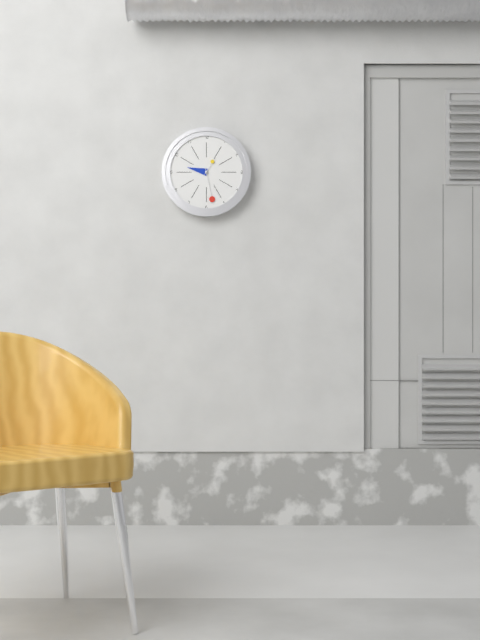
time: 9:28
